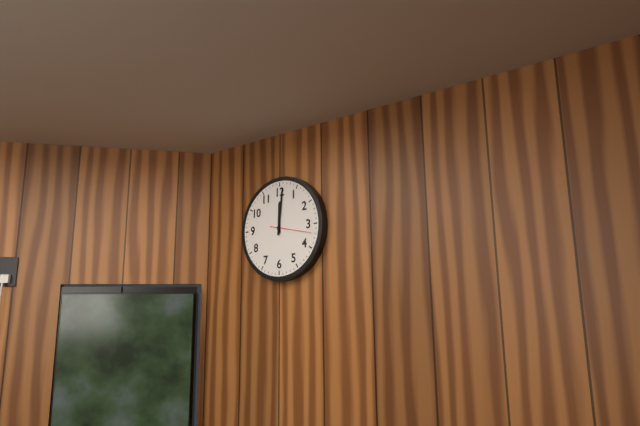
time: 12:01
